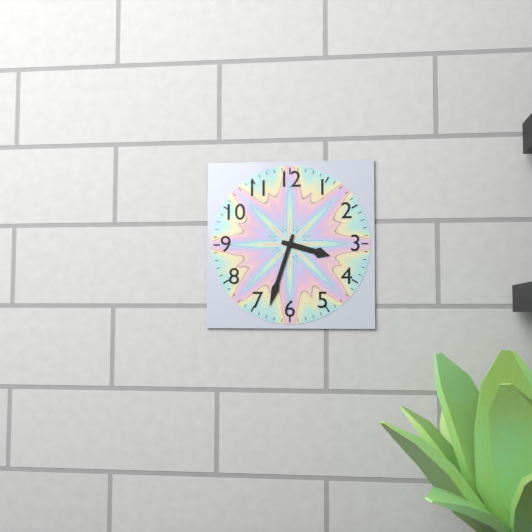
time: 3:33
